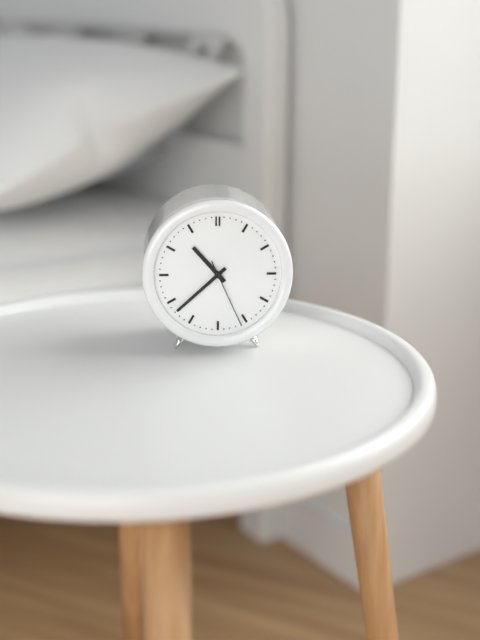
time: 10:38:26
